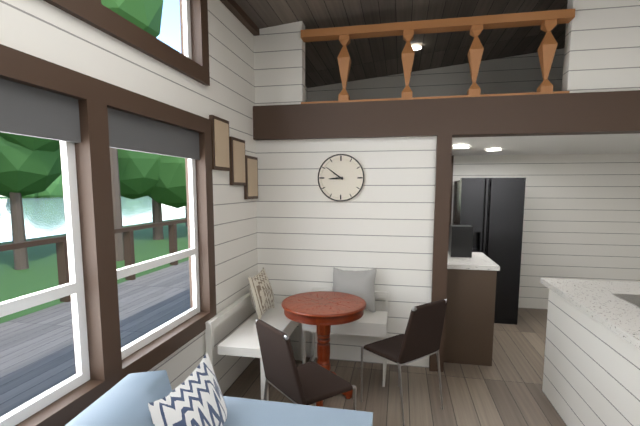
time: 8:51
